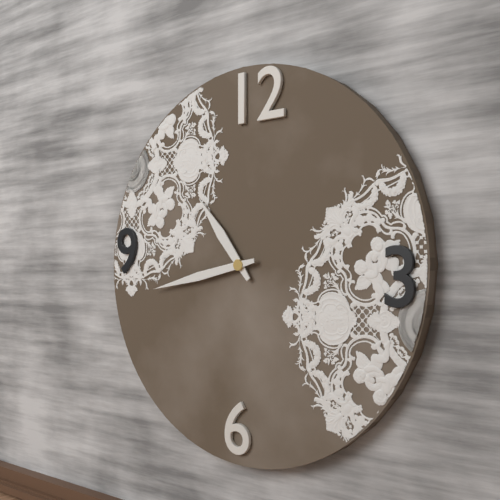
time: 10:43
